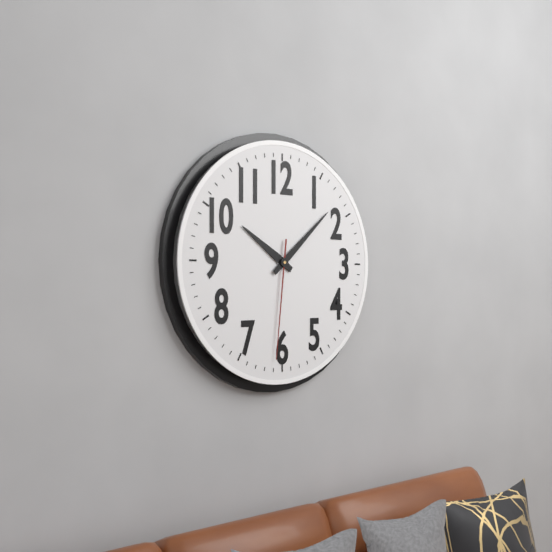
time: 10:08:31
